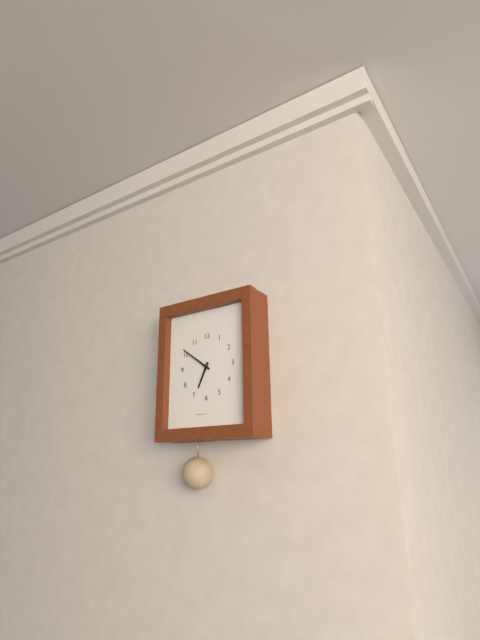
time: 6:51
